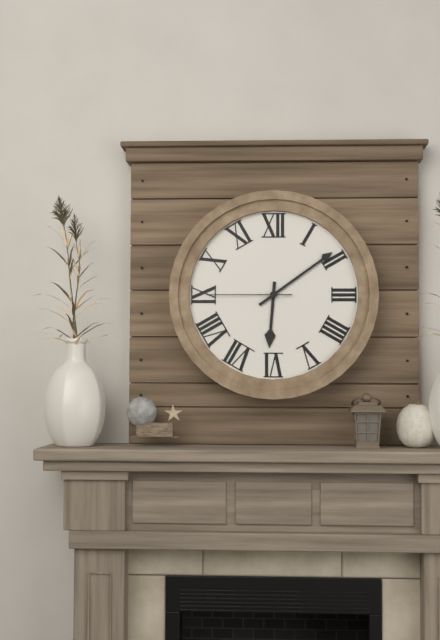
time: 6:09:45
